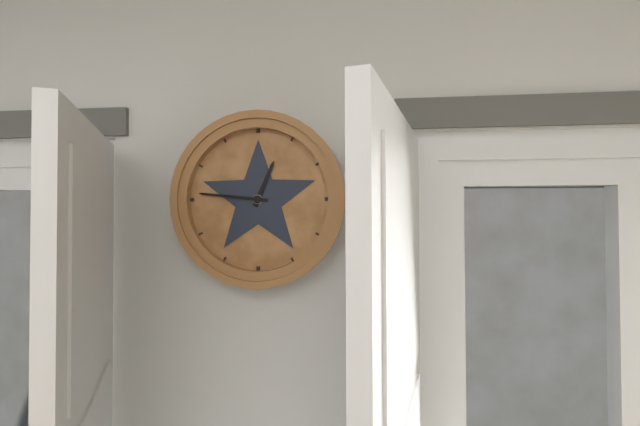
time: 12:46
